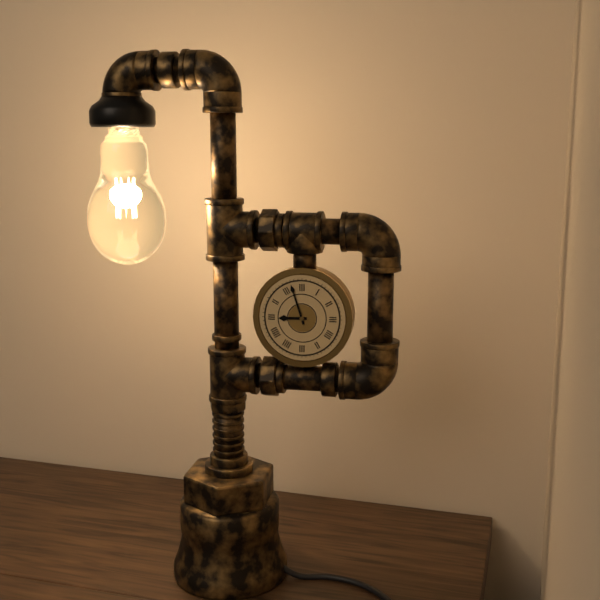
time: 8:57
